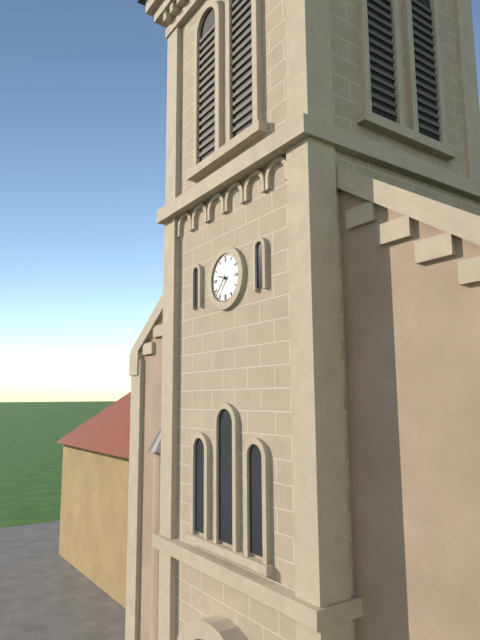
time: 9:37
